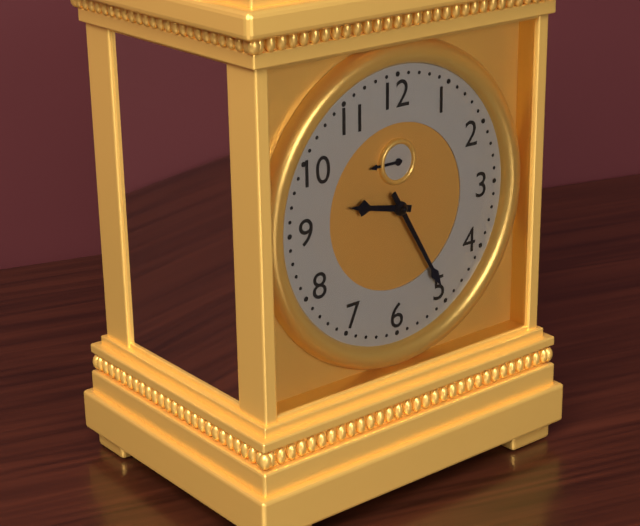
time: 9:25
